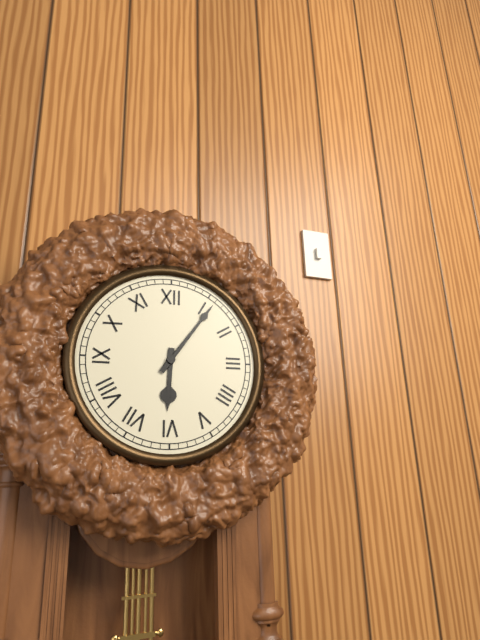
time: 6:06
